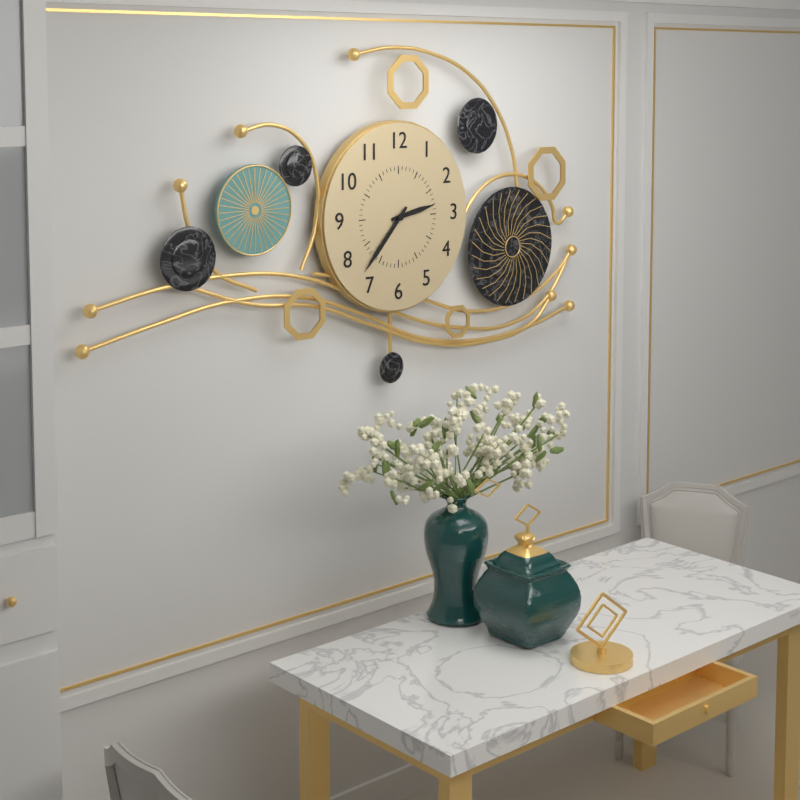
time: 2:37
